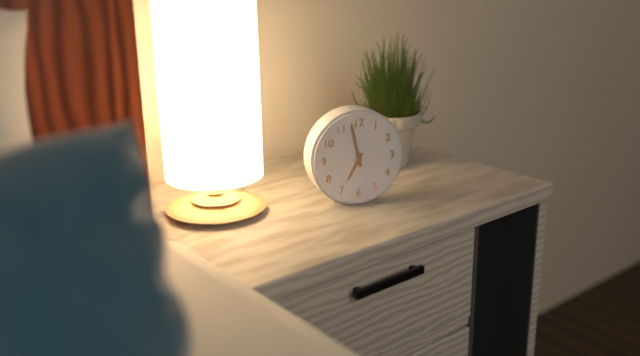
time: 6:58
